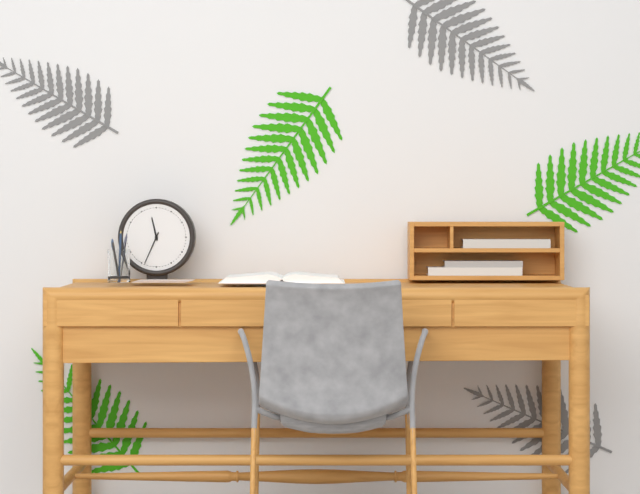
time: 11:34
